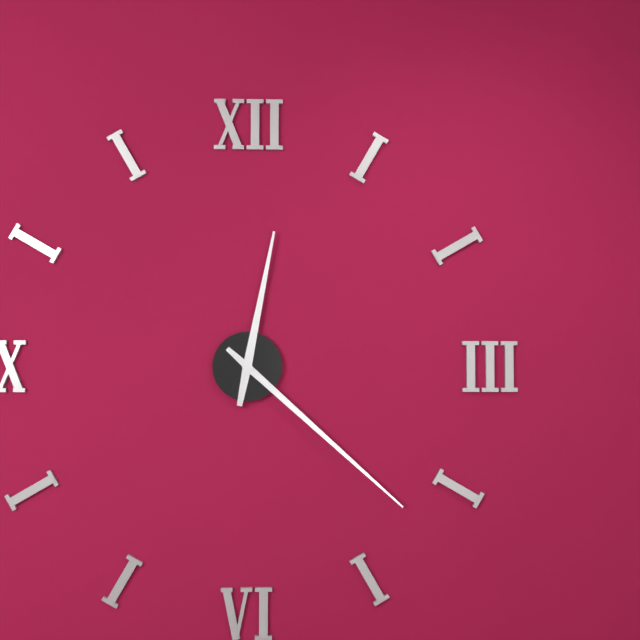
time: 12:22
